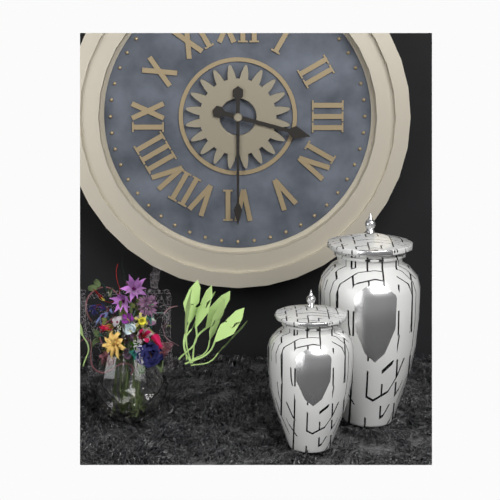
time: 3:30
